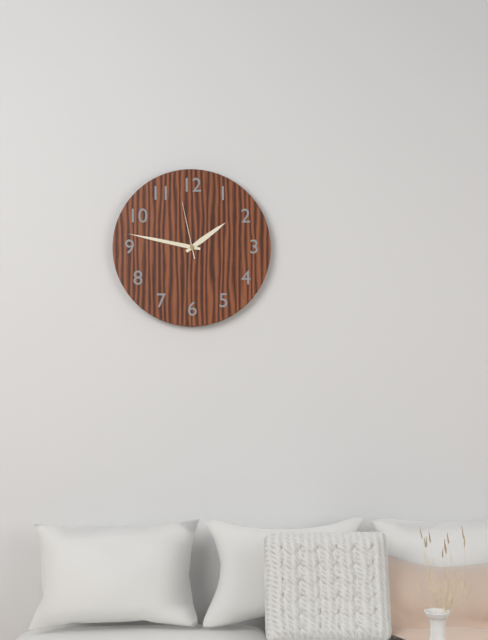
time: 1:47:58
